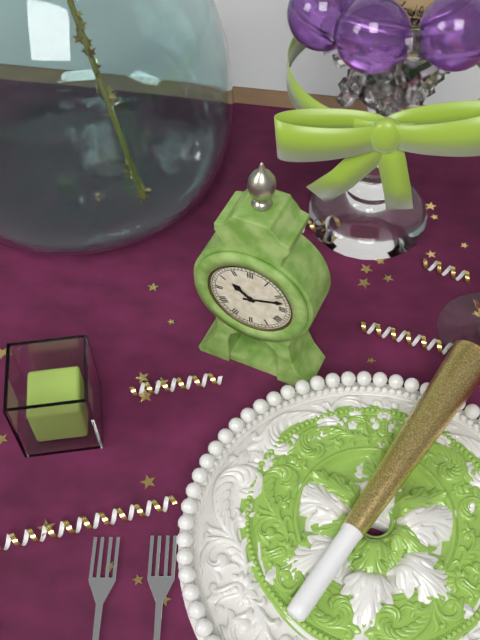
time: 10:12
